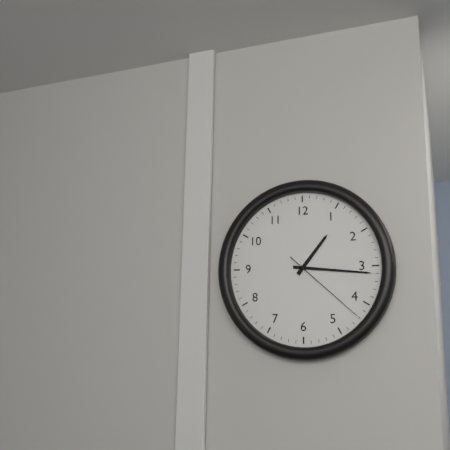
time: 1:16:22
